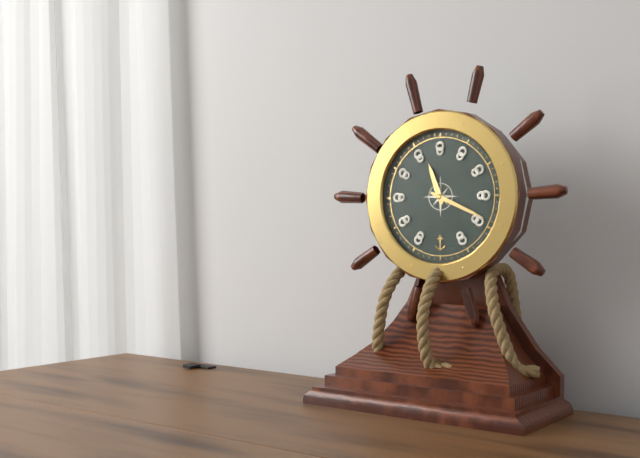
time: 11:19
